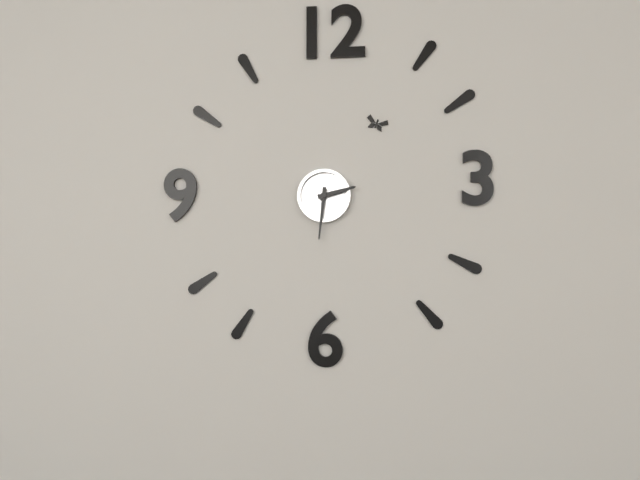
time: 2:31
